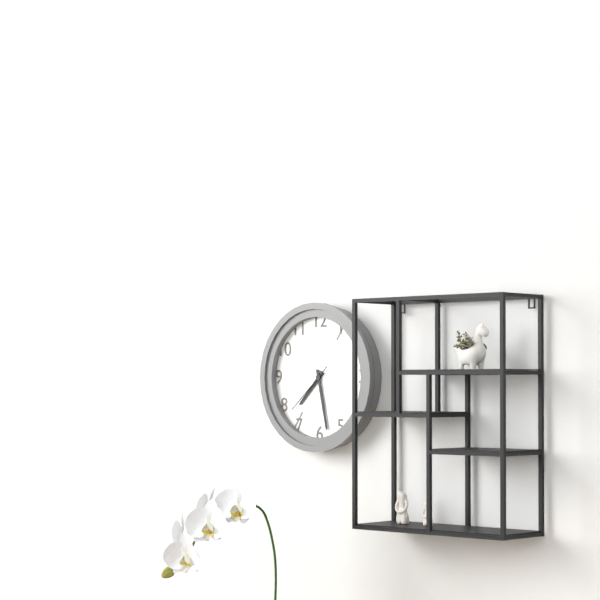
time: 7:28:38
